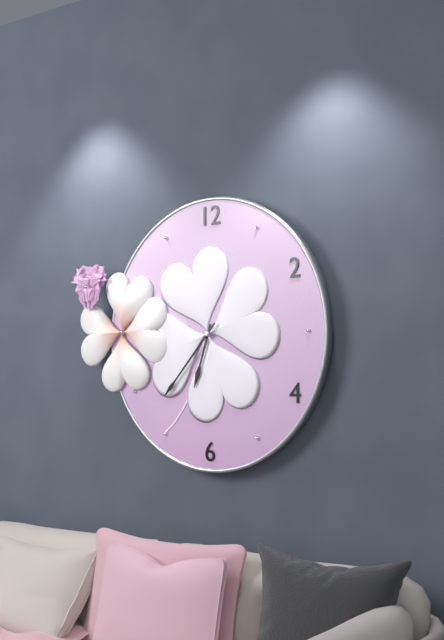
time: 6:37
